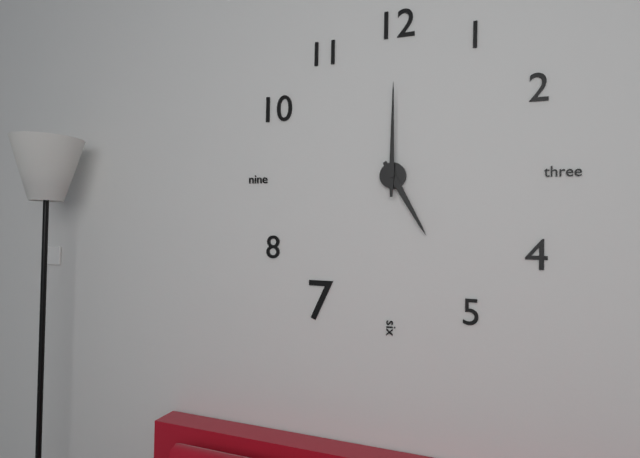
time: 5:00
